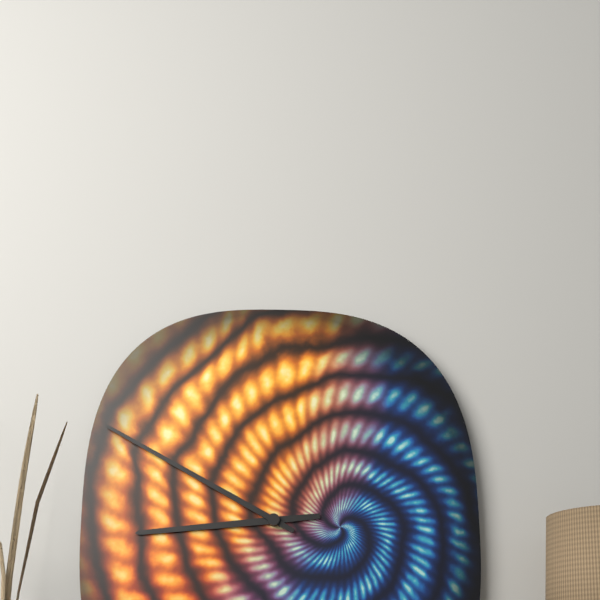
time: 8:50
